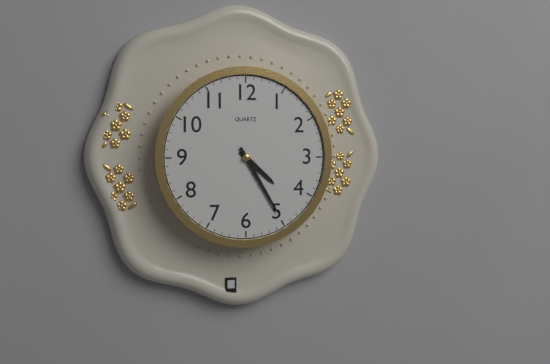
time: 4:25
